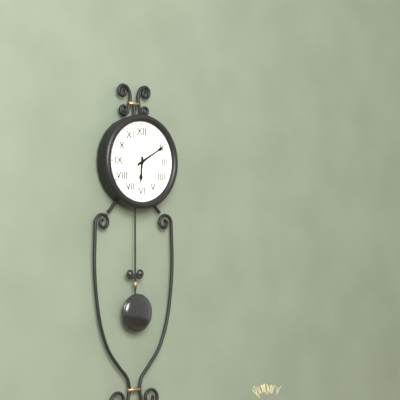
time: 6:10
